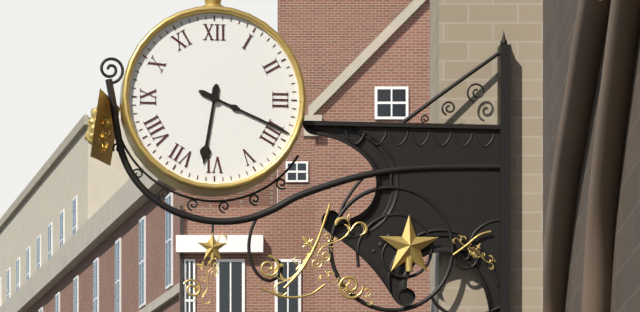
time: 6:19
